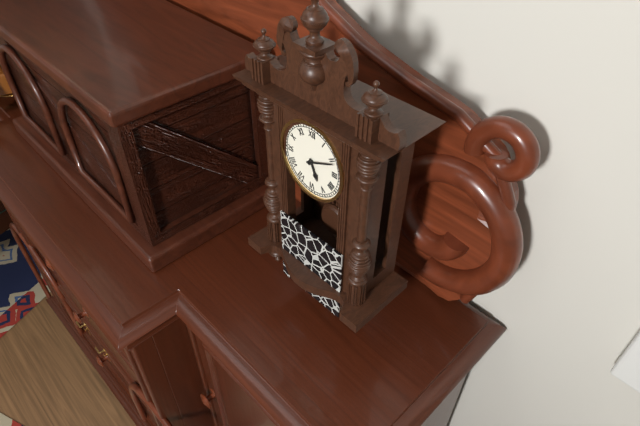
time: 5:11
